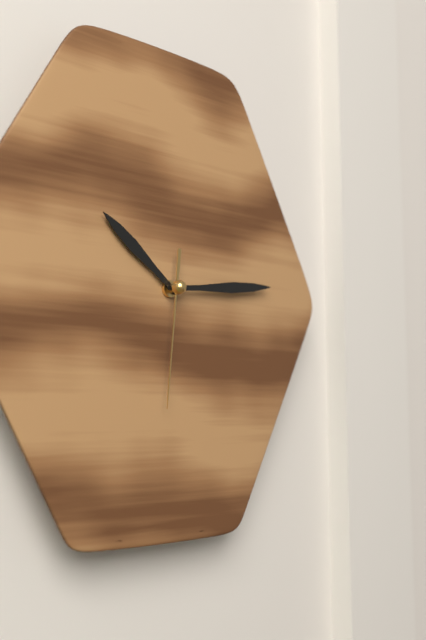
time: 10:14:31
